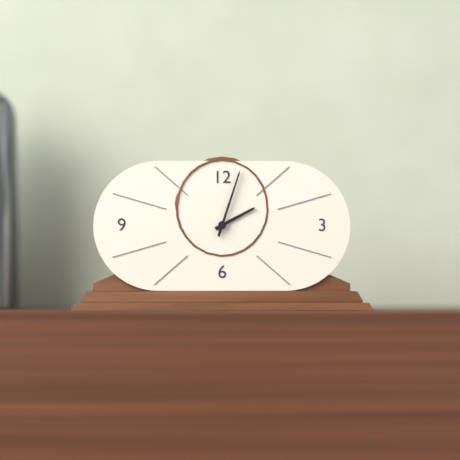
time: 2:03
